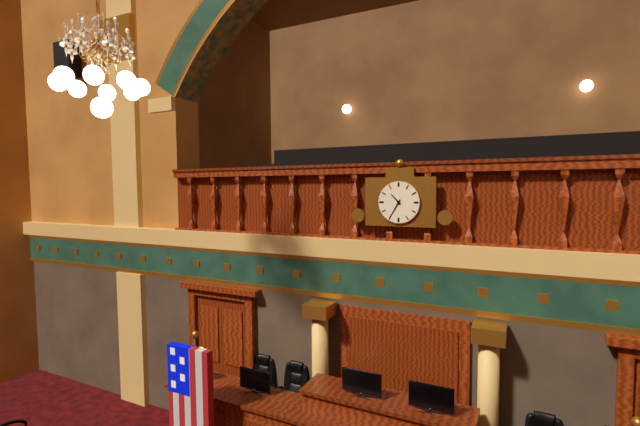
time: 10:35
